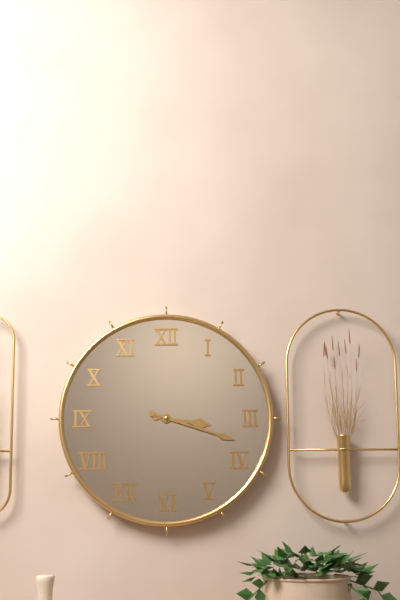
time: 3:18
